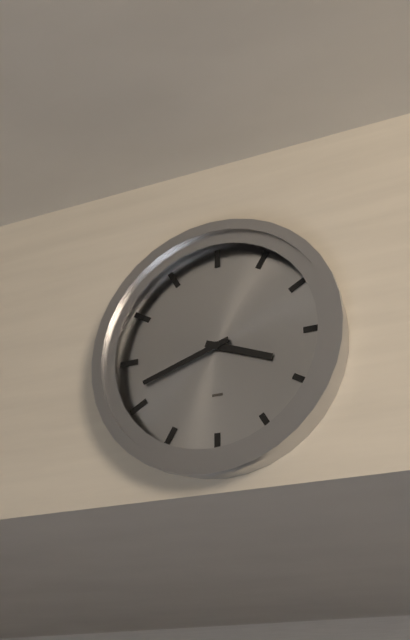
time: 3:42
